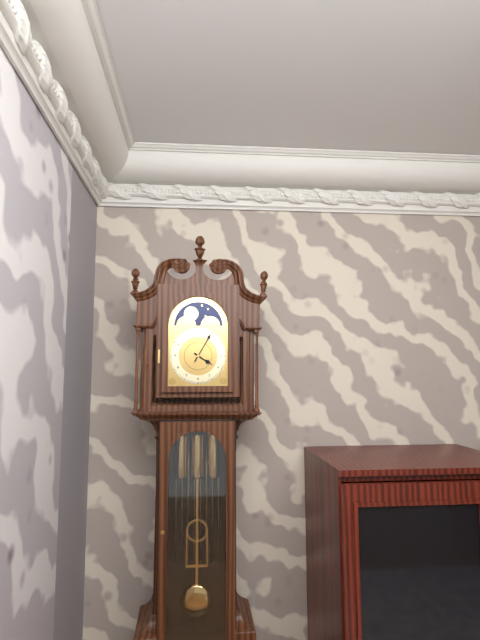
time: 4:05
